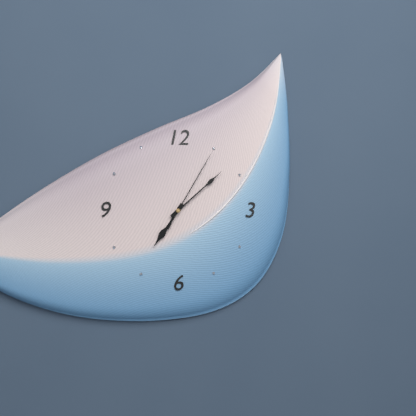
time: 7:08:05
